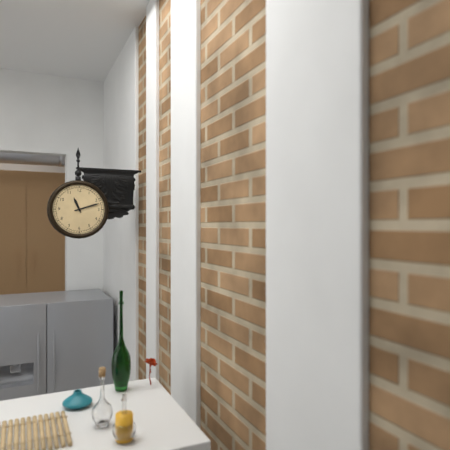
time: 11:12
